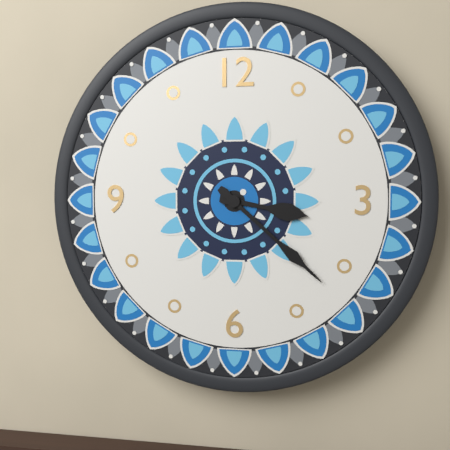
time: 3:22
